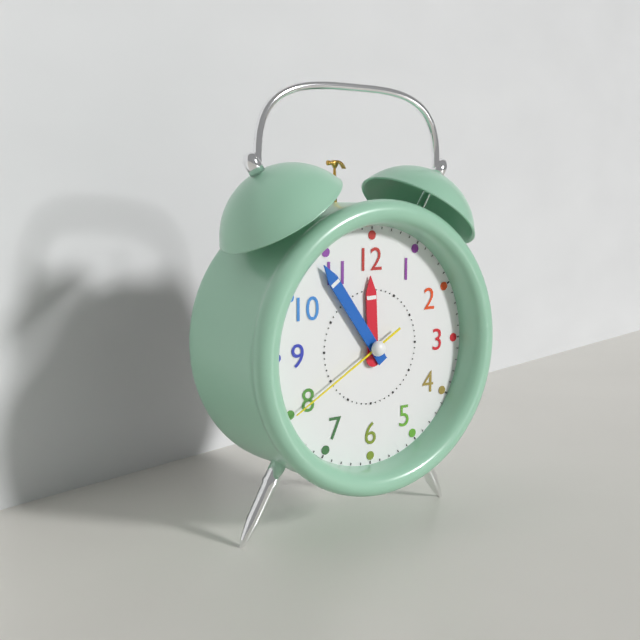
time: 11:54:40
